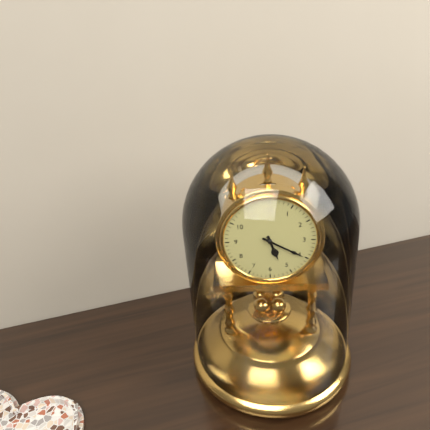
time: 5:20
